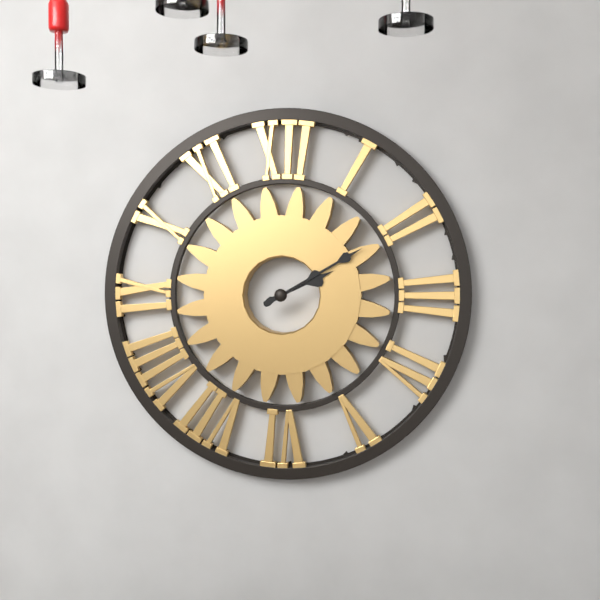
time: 2:10
